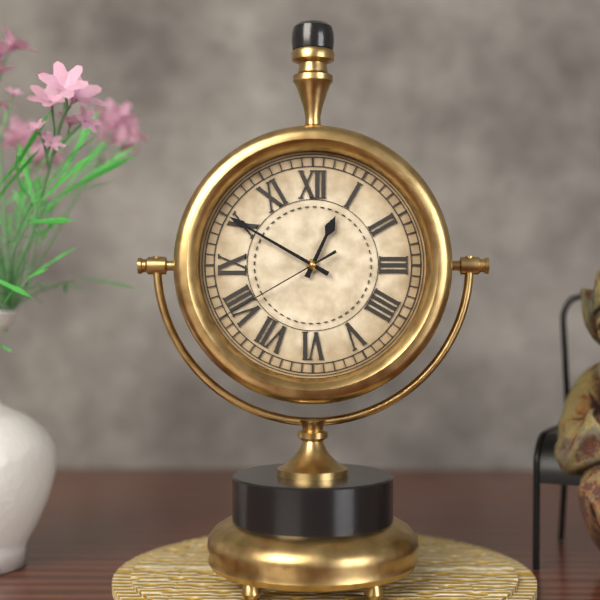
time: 12:50:40
